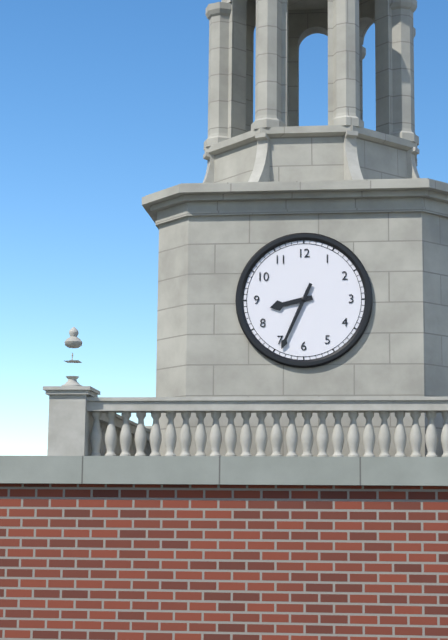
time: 8:34
